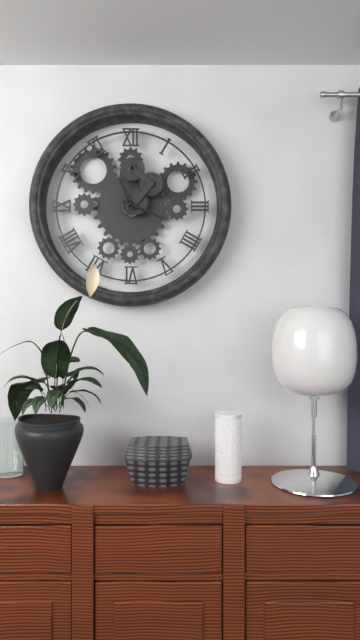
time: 11:19
